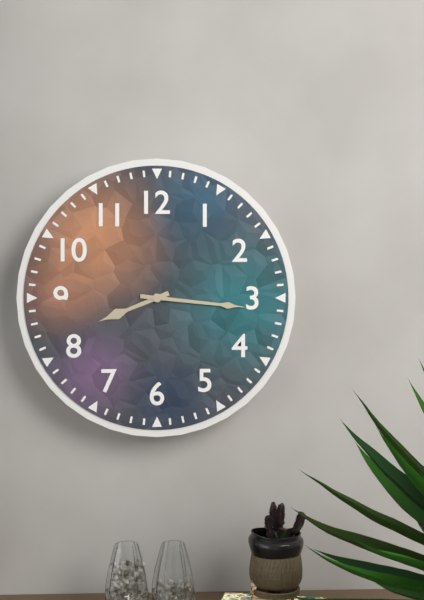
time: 8:16
